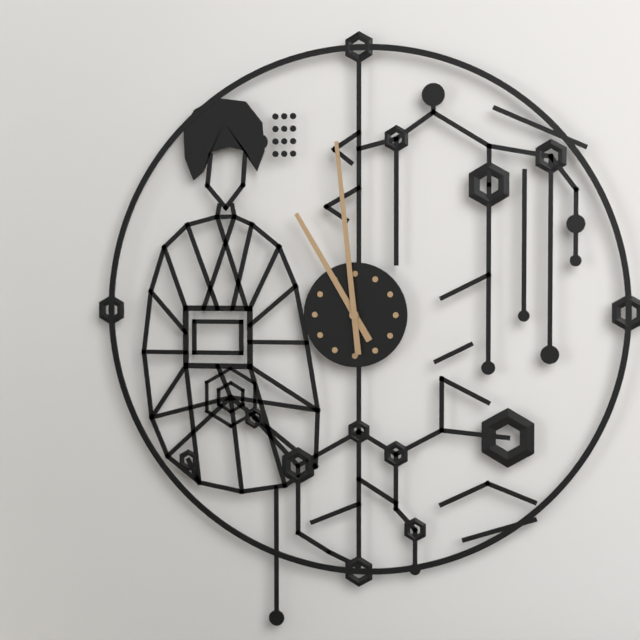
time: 10:59
